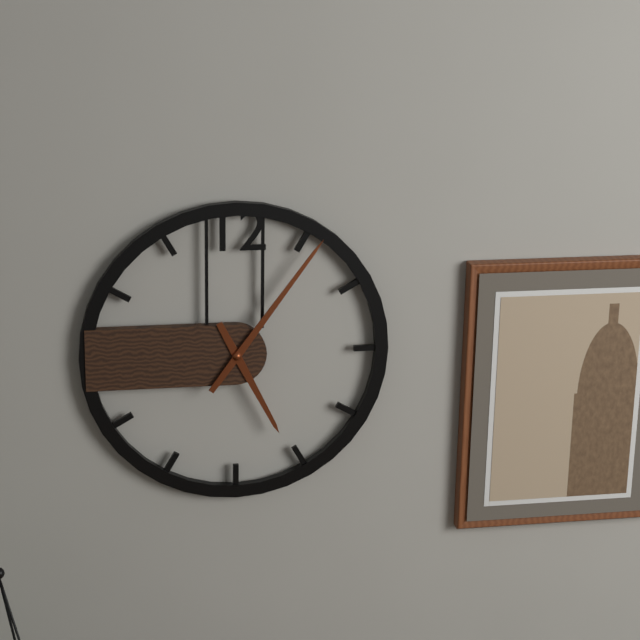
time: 5:06
